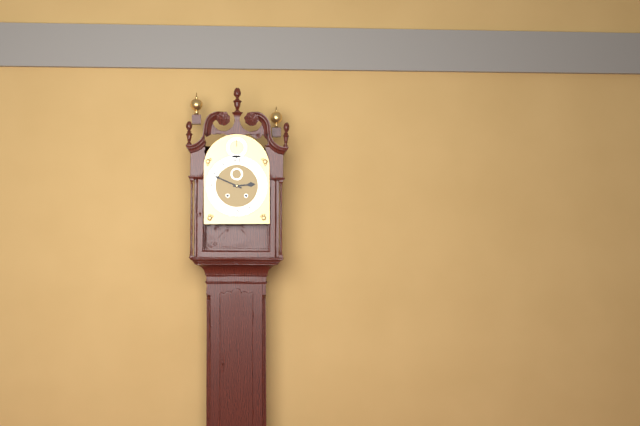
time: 2:49
